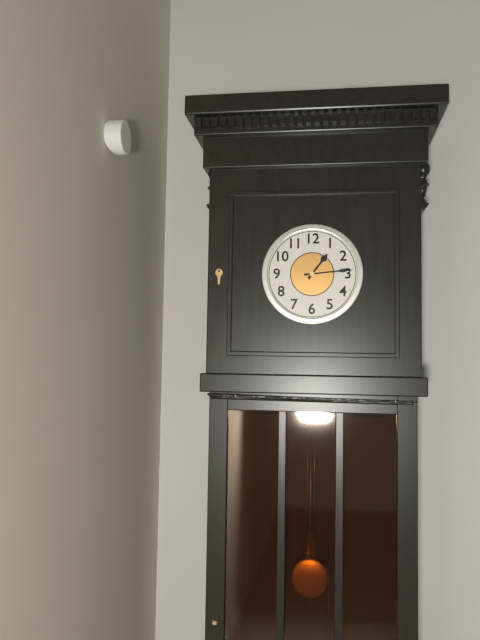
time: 1:14
